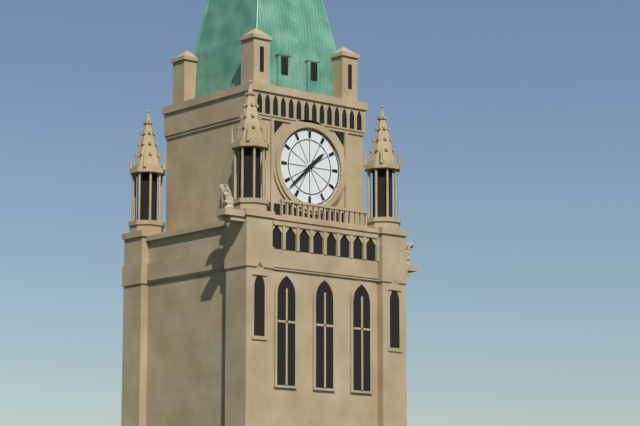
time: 1:38
